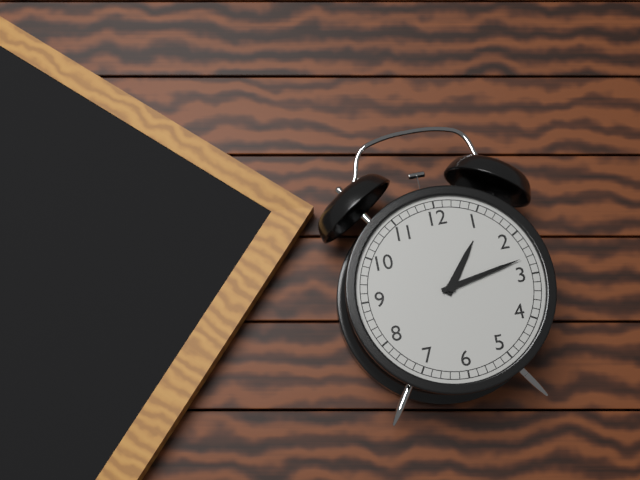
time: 1:13
